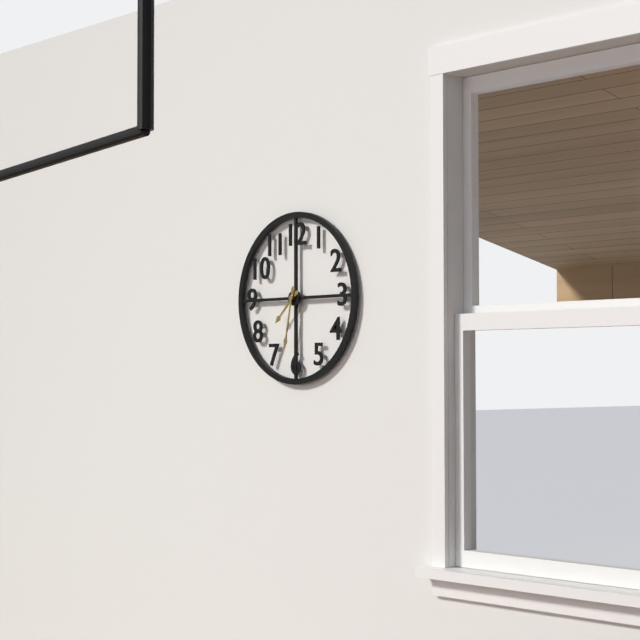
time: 7:32
